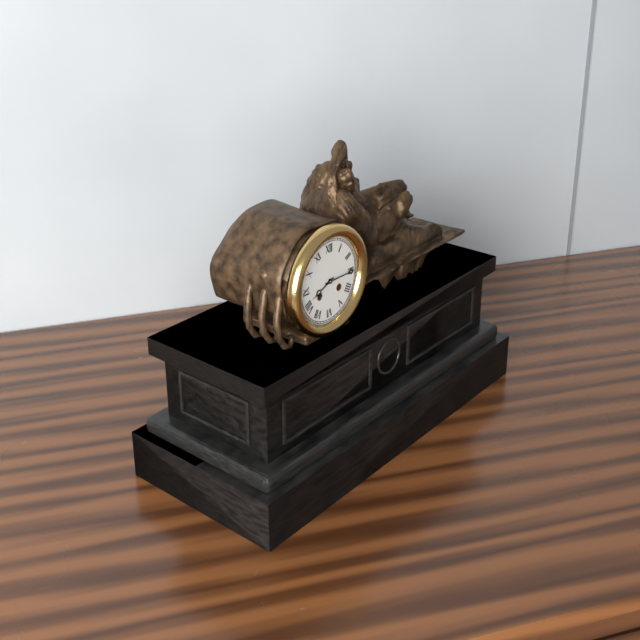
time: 8:15
